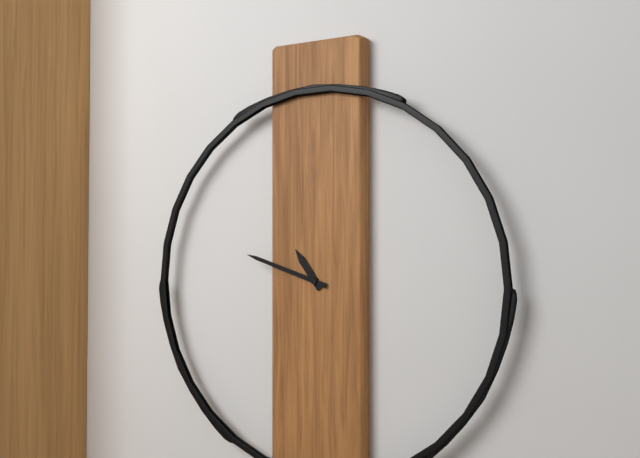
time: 10:48
